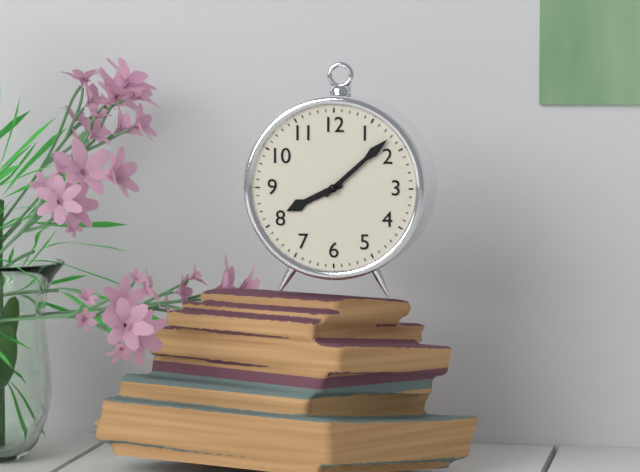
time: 8:08
